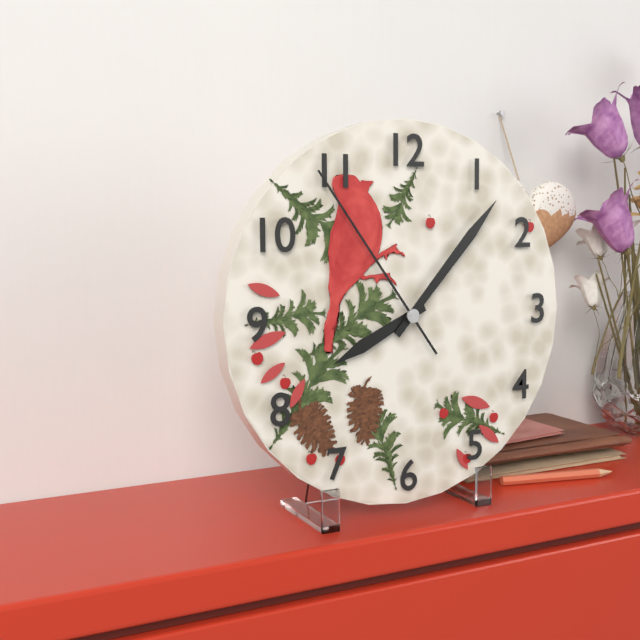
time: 8:07:54
